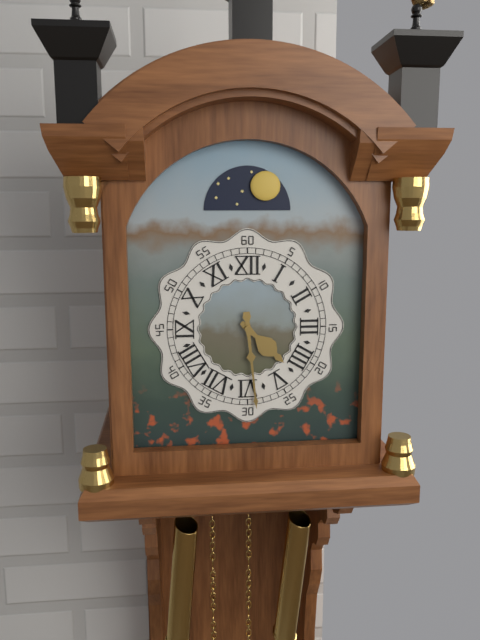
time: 4:29
